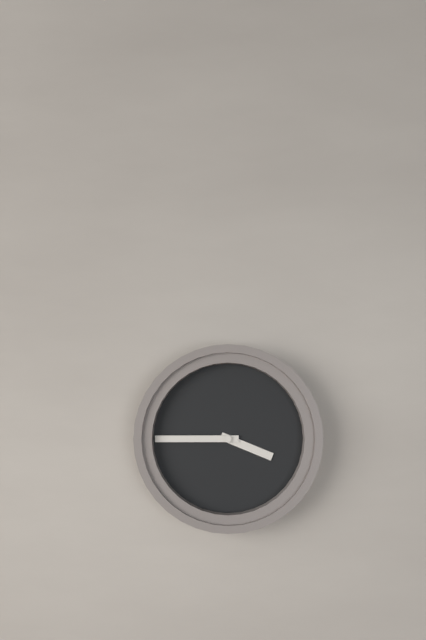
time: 3:45
